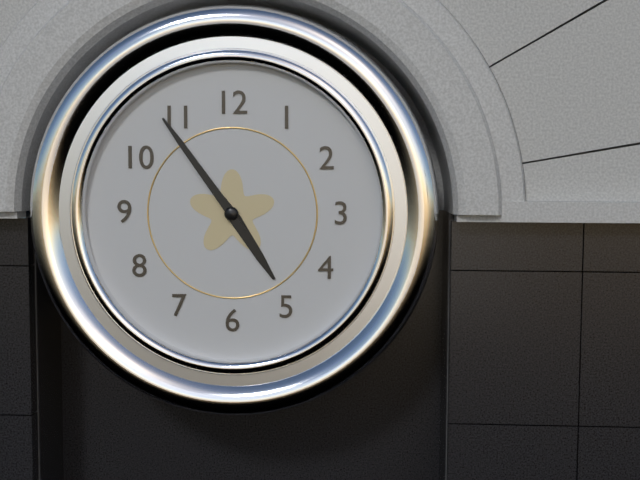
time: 4:54
